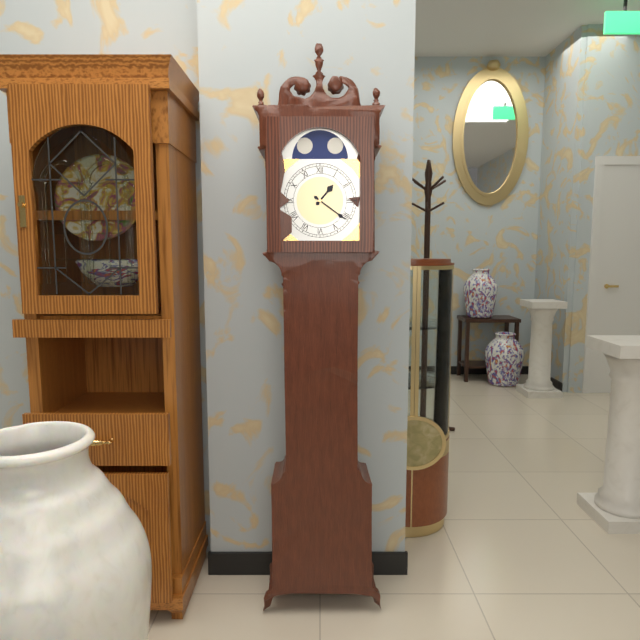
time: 1:21
